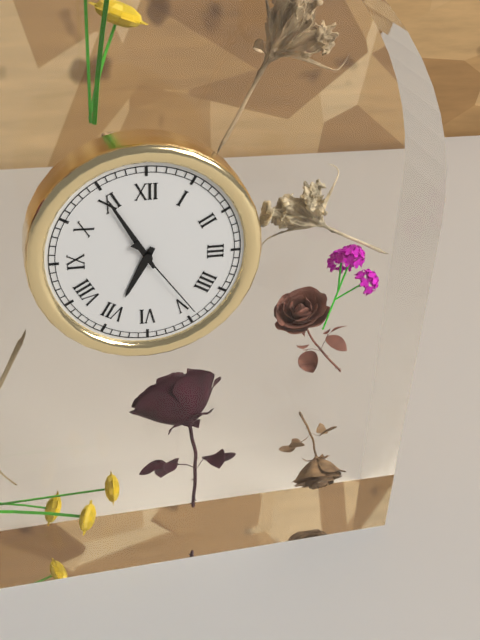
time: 6:55:24
